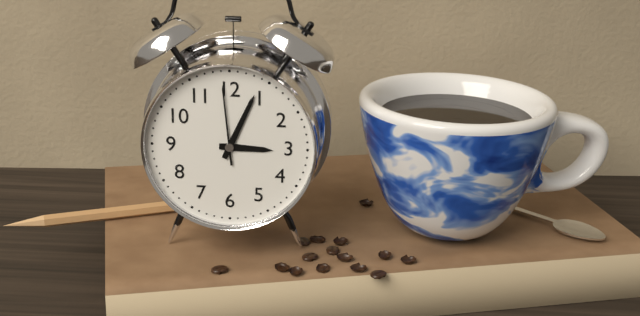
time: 3:04:59
